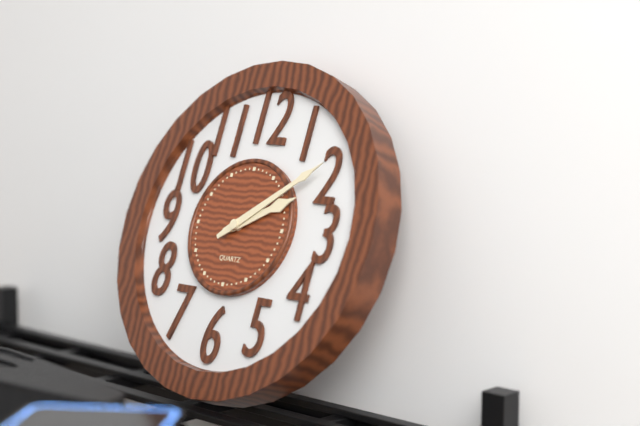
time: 2:09
